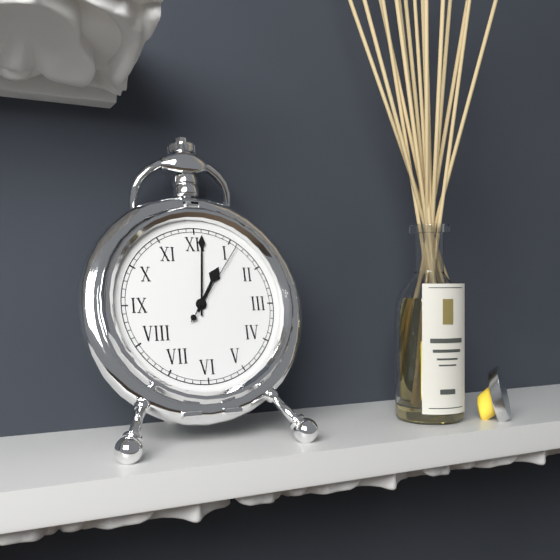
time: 1:01:06
